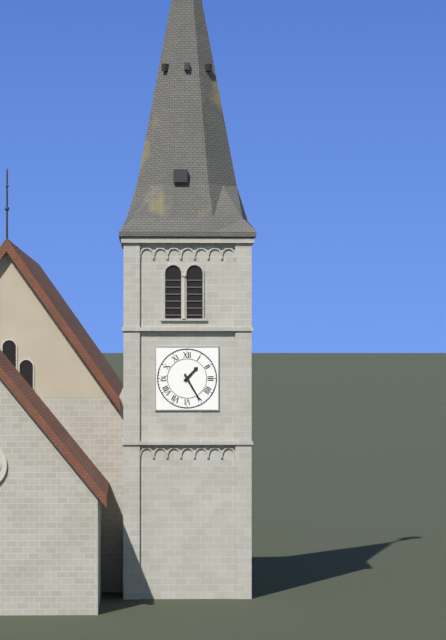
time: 1:25
